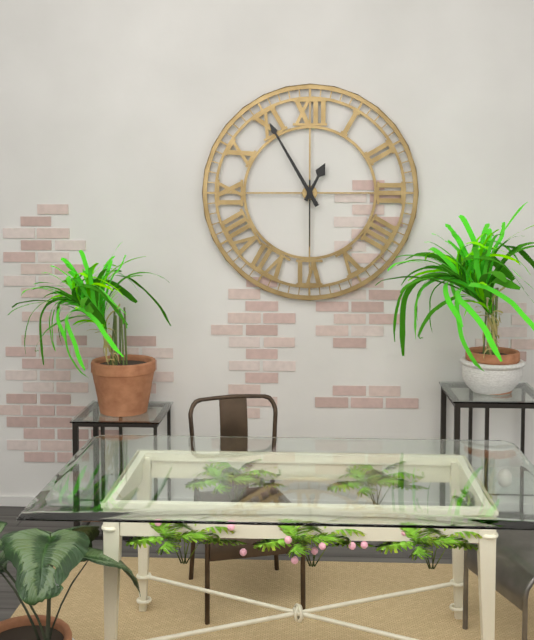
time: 12:55:30
